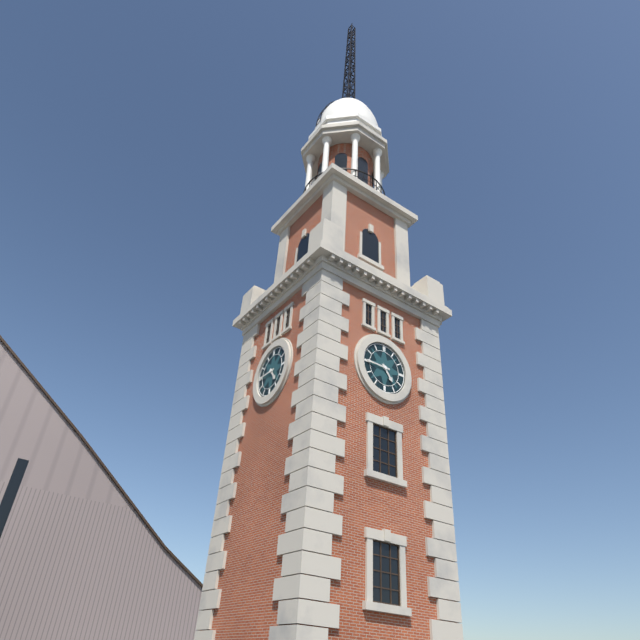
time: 4:45
